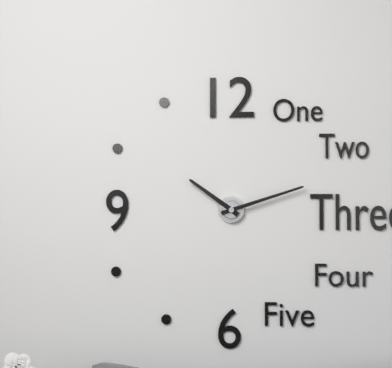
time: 10:12
